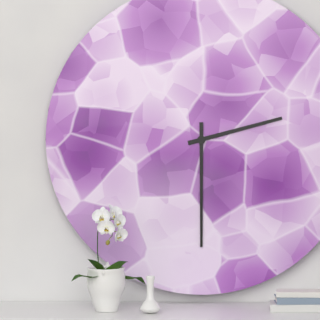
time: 2:30
